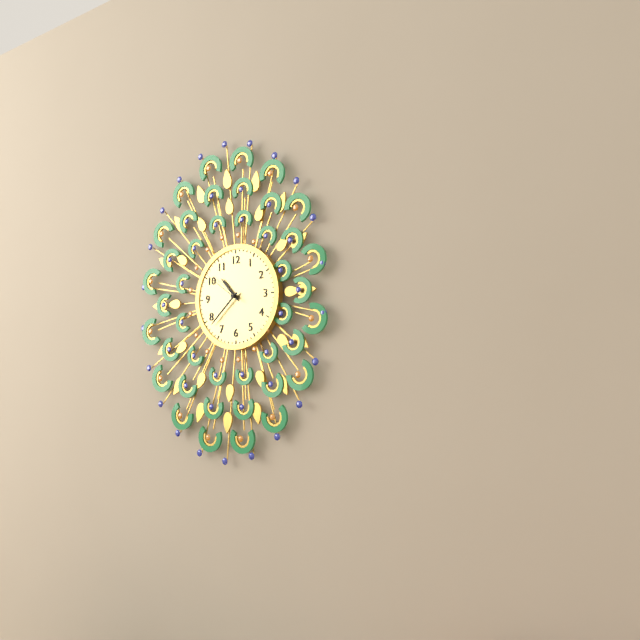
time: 10:38:51
